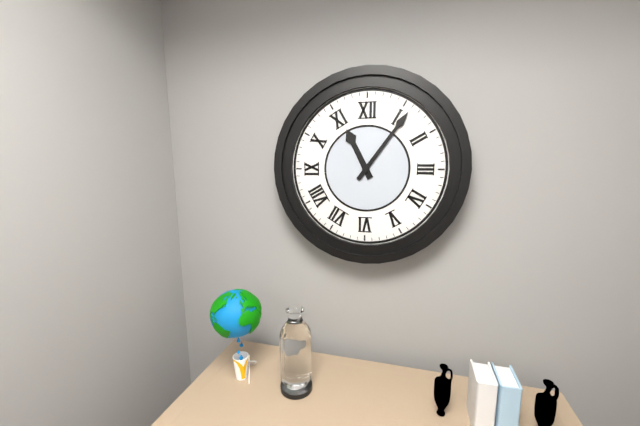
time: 11:06
